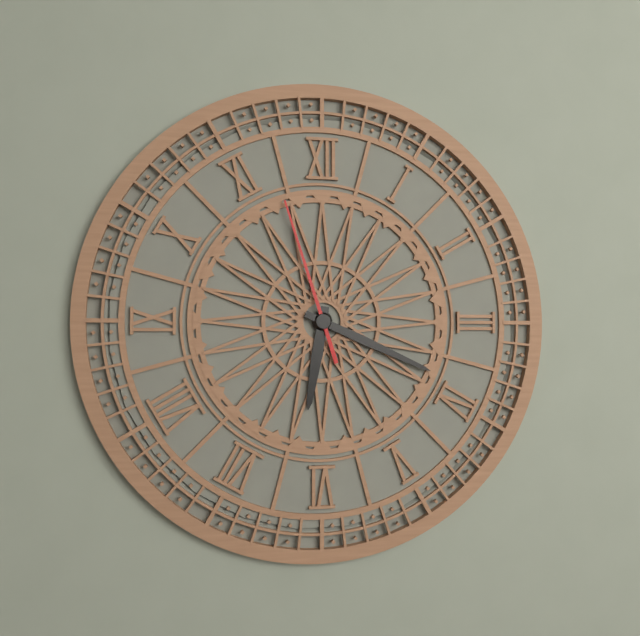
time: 6:19:57
